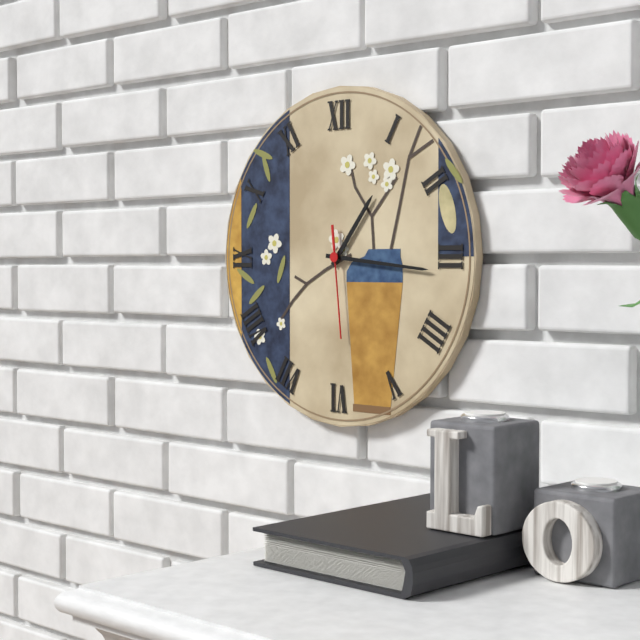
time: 1:16:29
